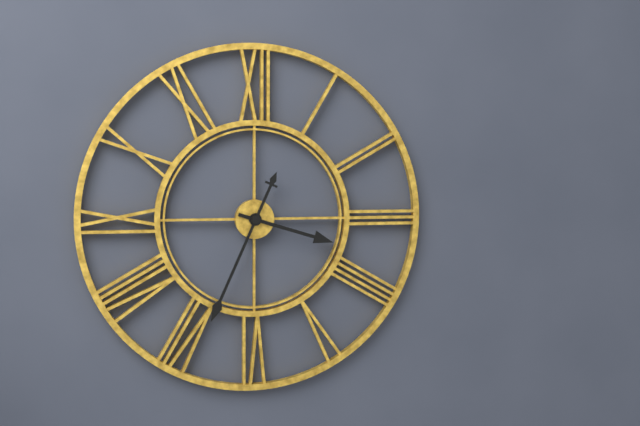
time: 3:34
